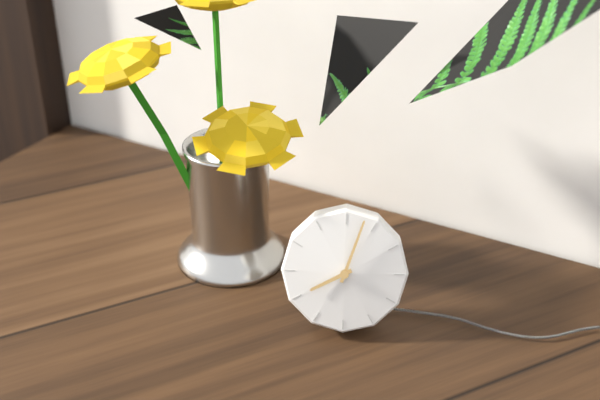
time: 8:03
